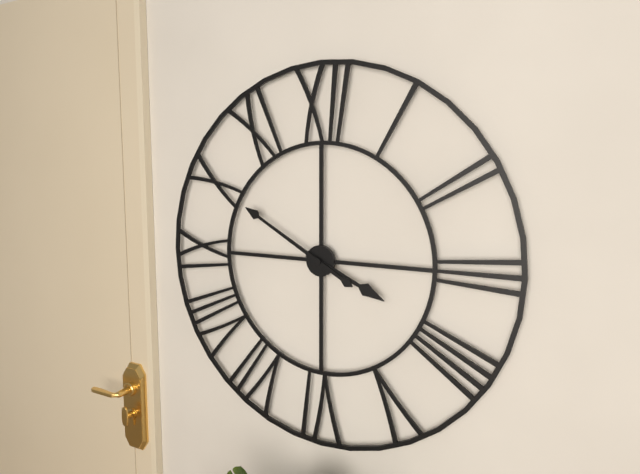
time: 3:50
